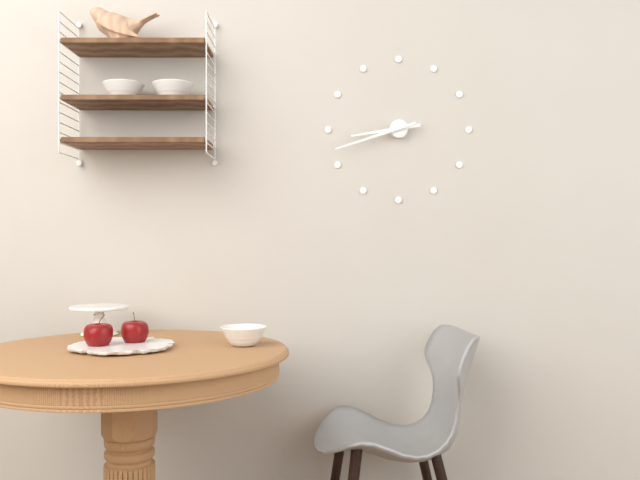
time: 8:42
